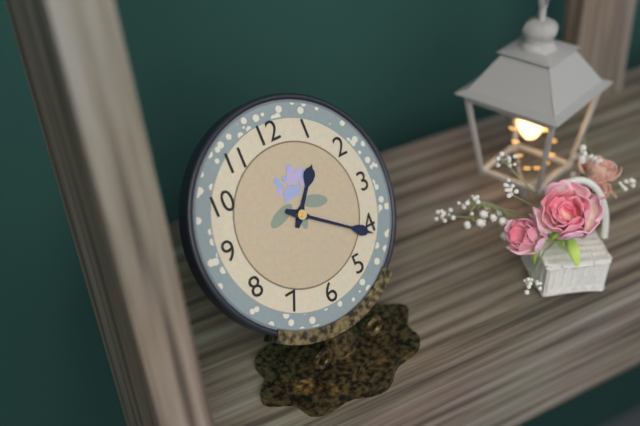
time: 1:21
